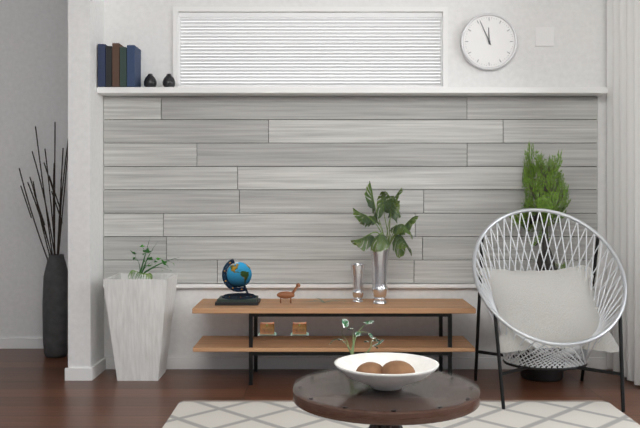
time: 11:56
